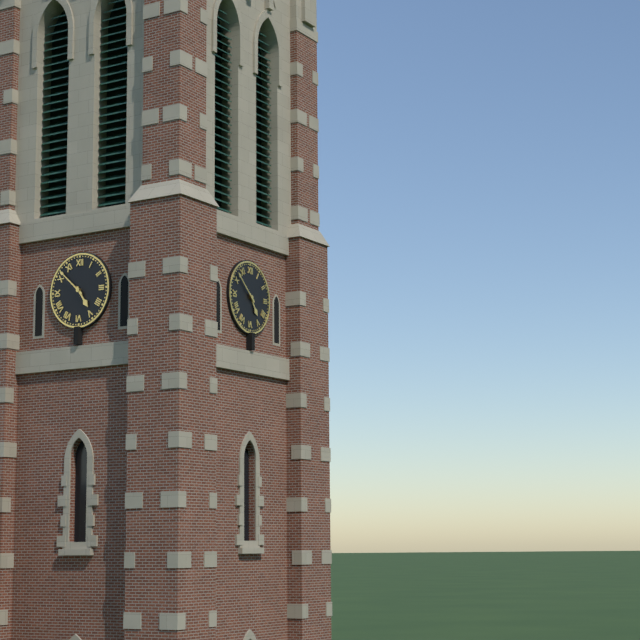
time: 4:52
